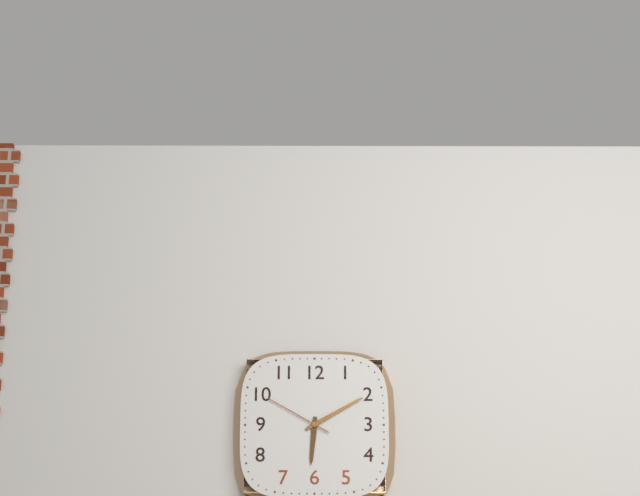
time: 6:10:50
